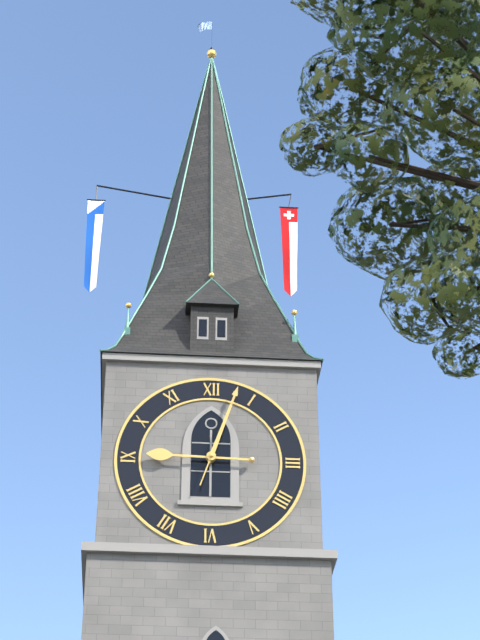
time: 9:03
